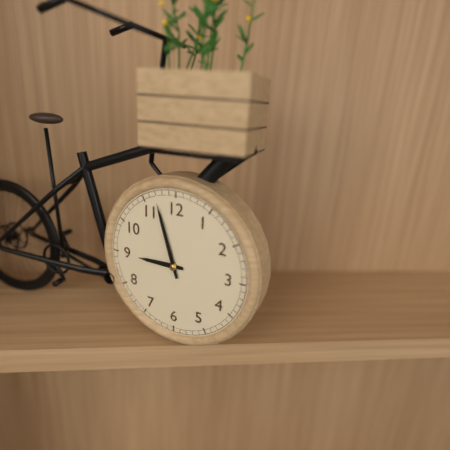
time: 8:57
